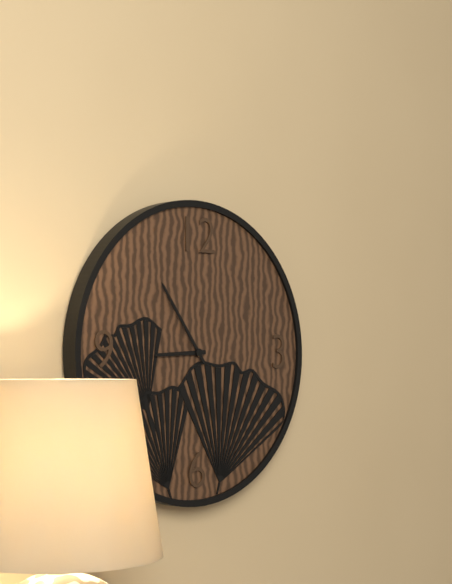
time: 8:54
